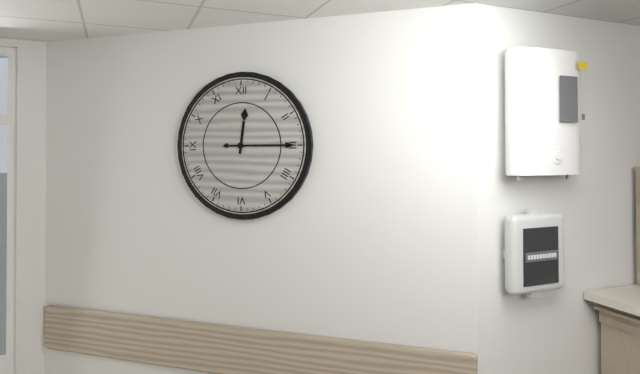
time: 12:15
